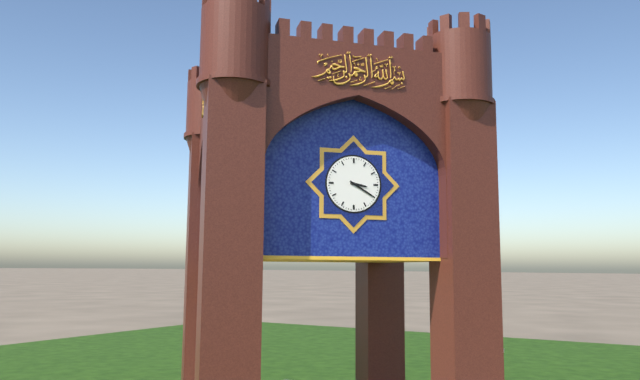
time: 3:20
